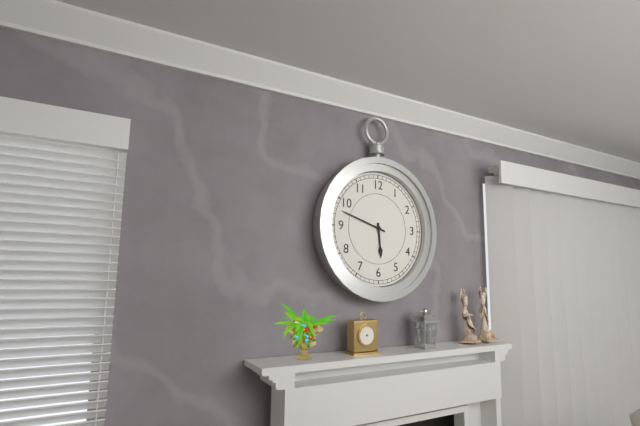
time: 5:48
